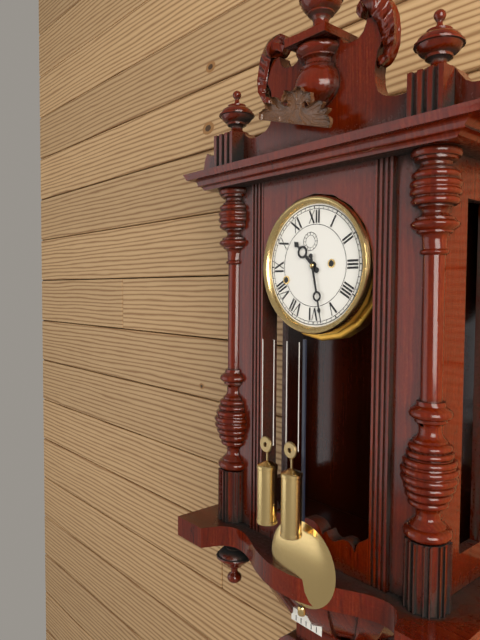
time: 10:28
